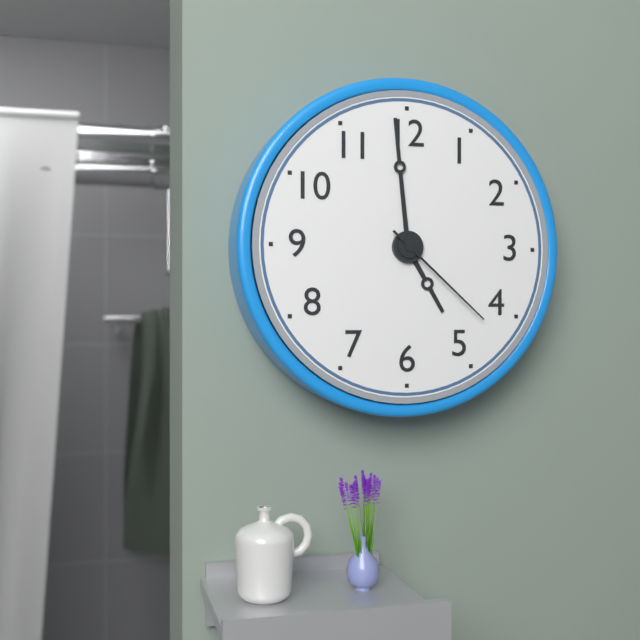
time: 4:59:22
